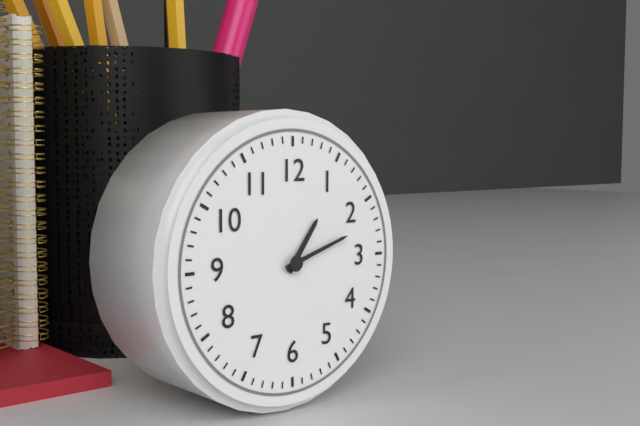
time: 1:12
